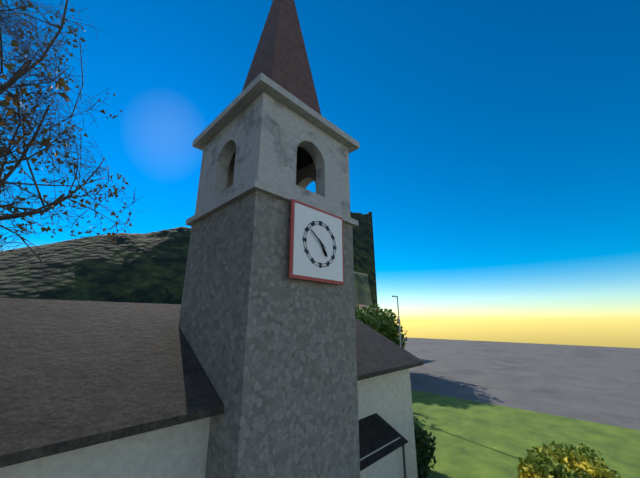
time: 4:51
